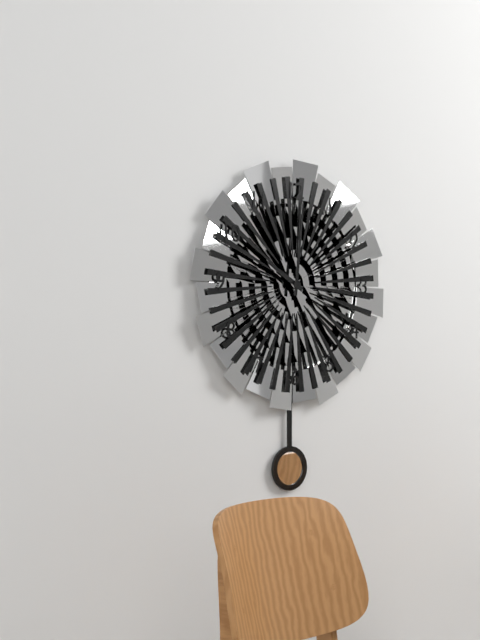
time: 10:01
